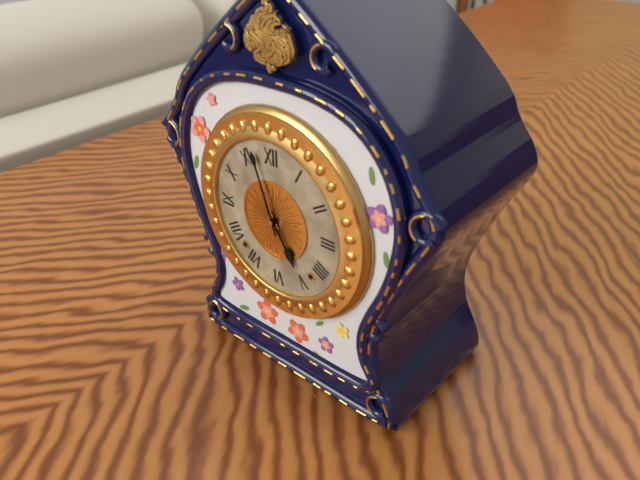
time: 4:57
